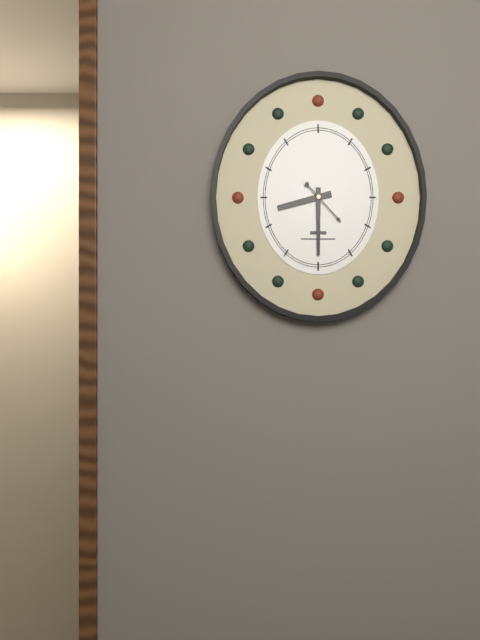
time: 8:30
